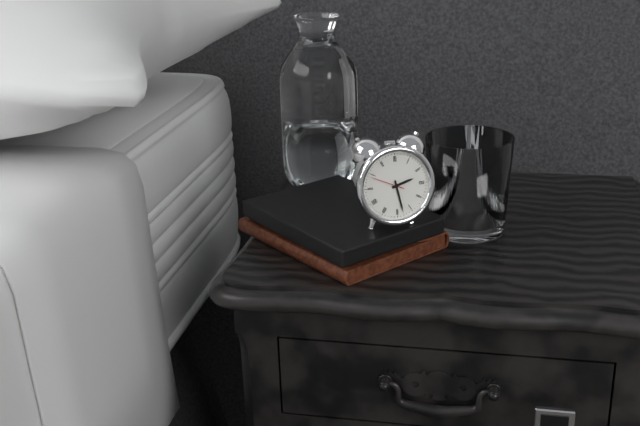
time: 2:28
